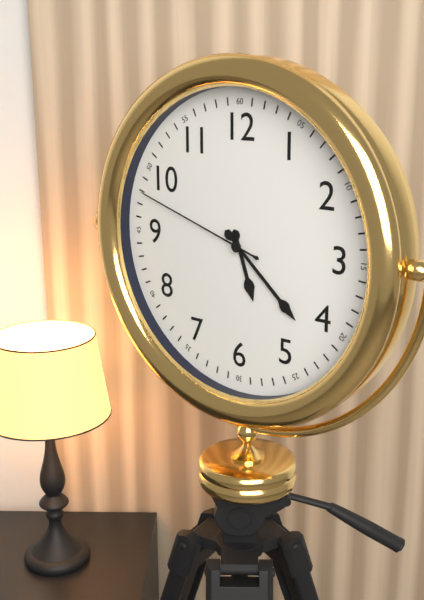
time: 5:22:48
